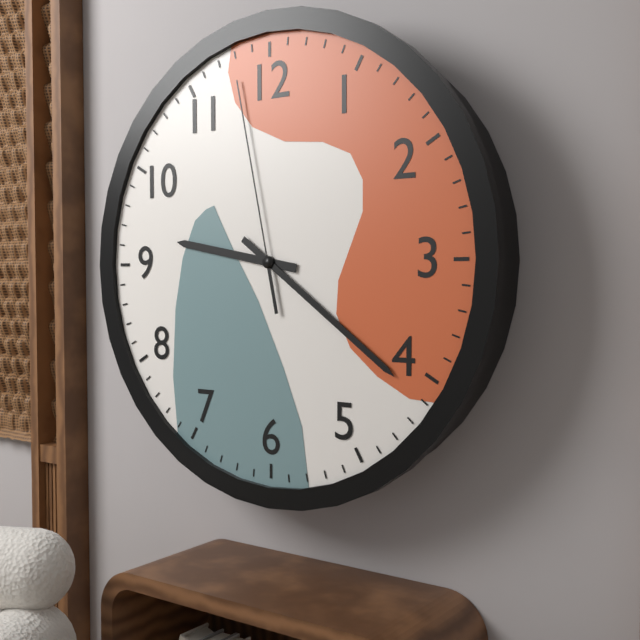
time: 9:21:58
